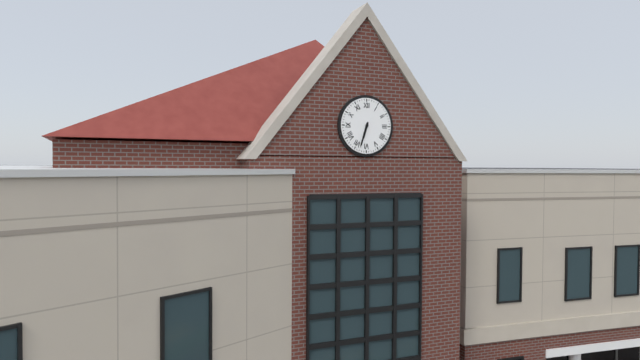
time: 6:33
